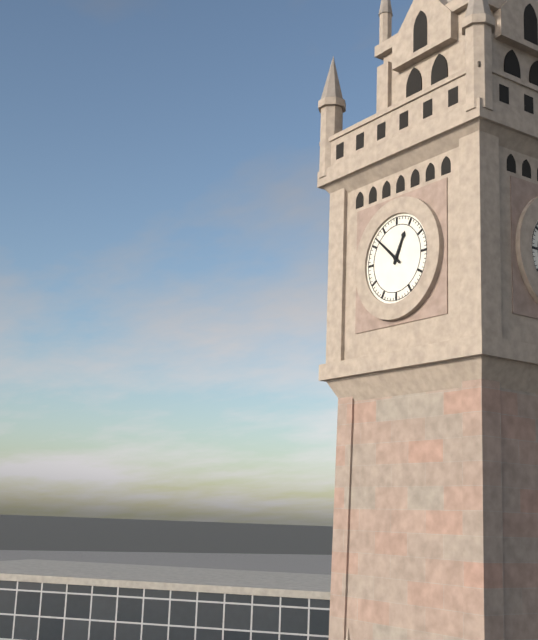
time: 12:52
